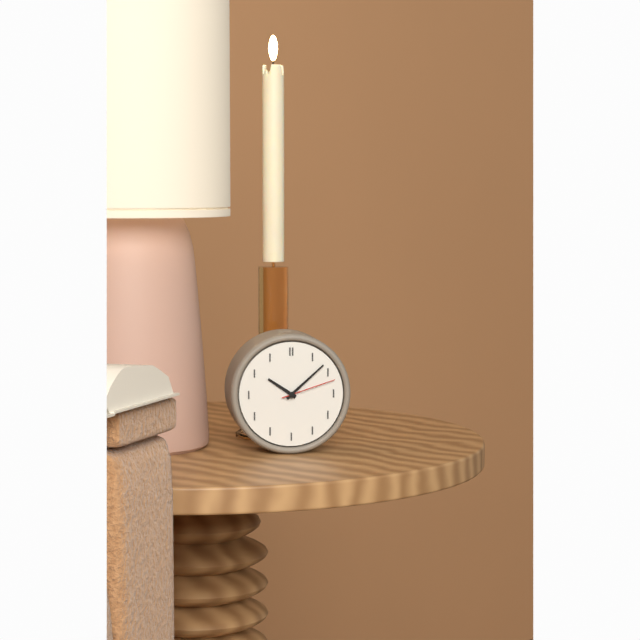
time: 10:08:12
